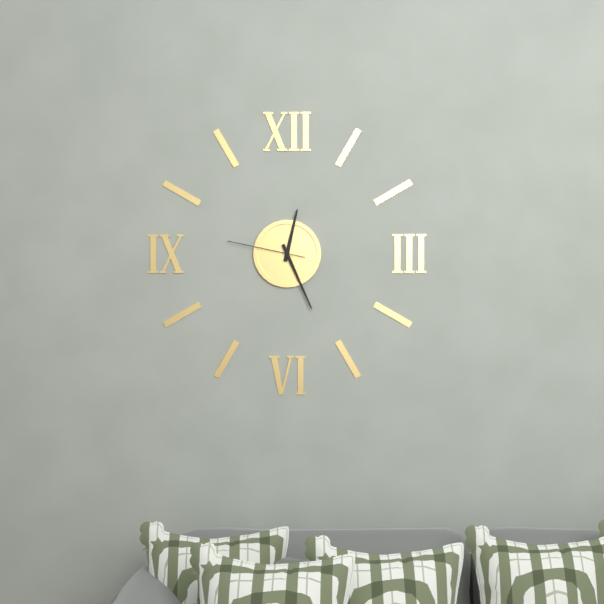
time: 12:26:47
